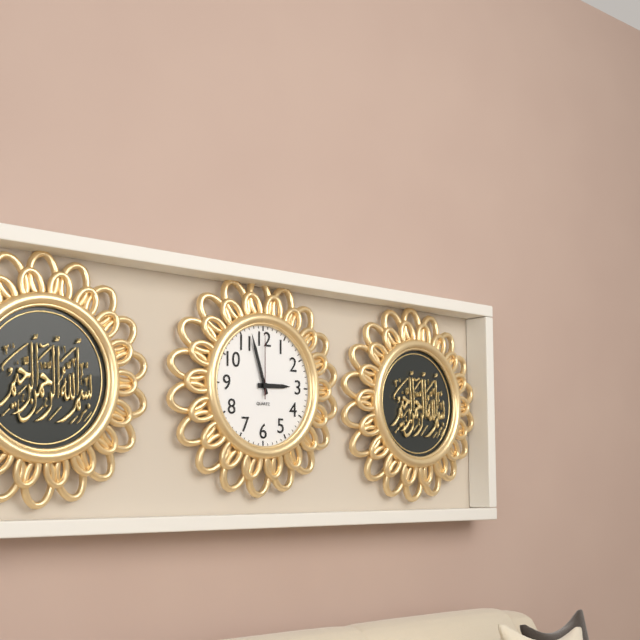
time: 2:57:00
